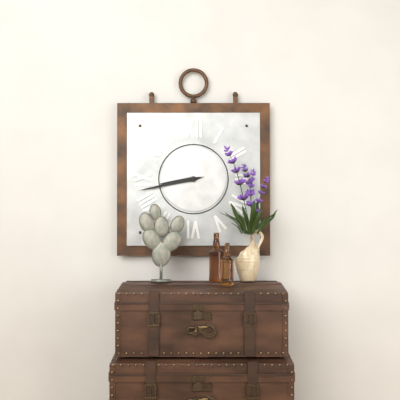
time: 8:43
